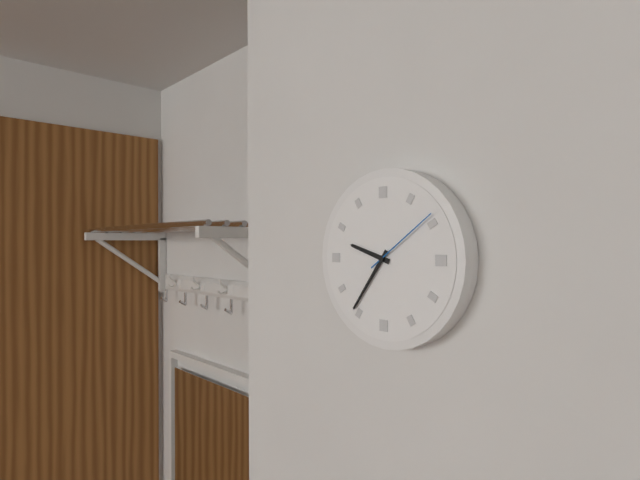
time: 9:36:09
